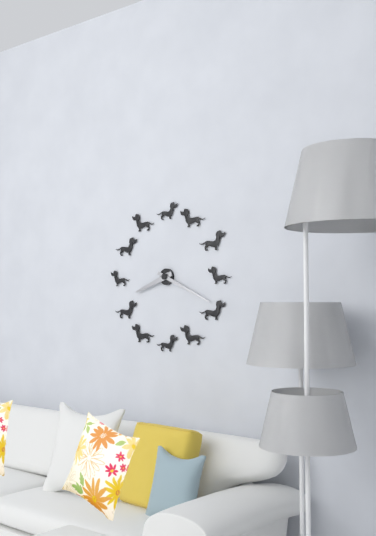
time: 8:19
